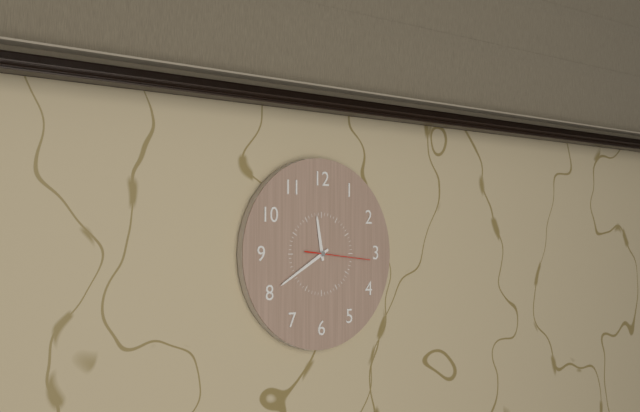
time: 11:40:16
